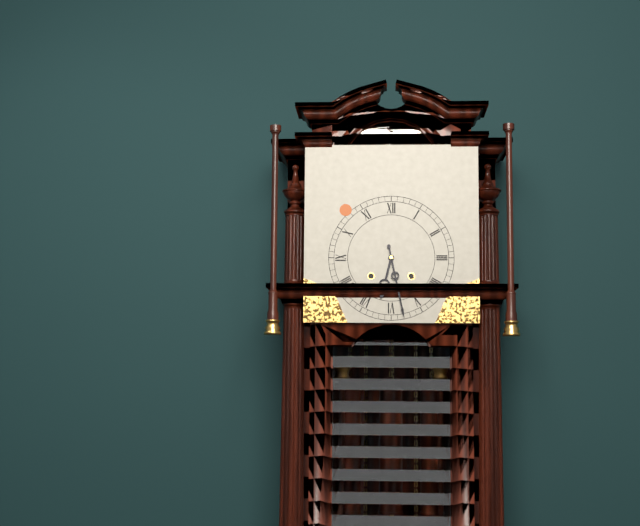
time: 6:28
